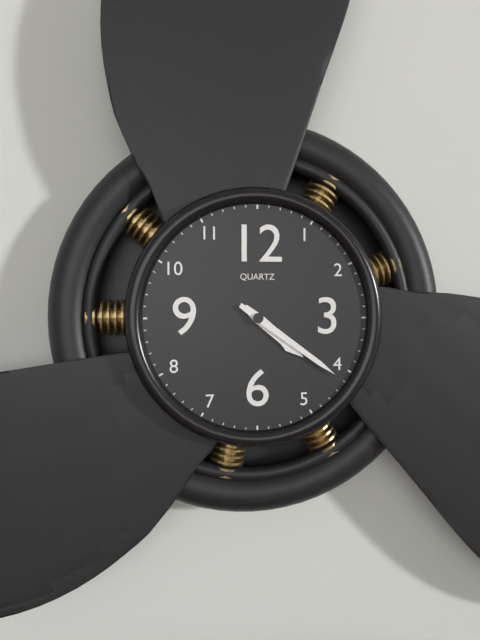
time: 4:21
